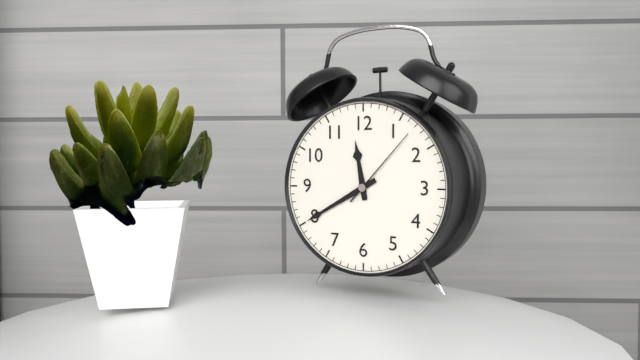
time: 11:40:07
